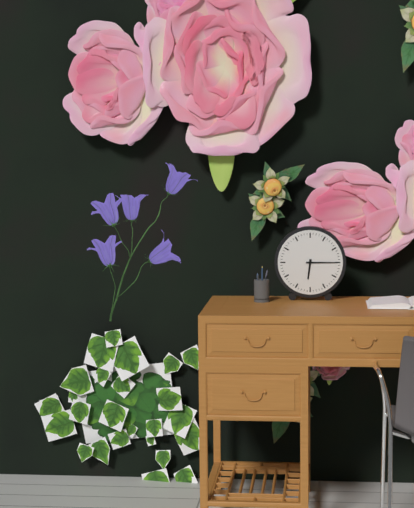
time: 6:15
